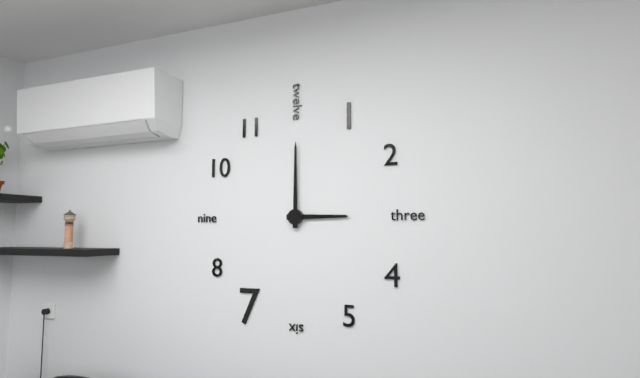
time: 3:00
